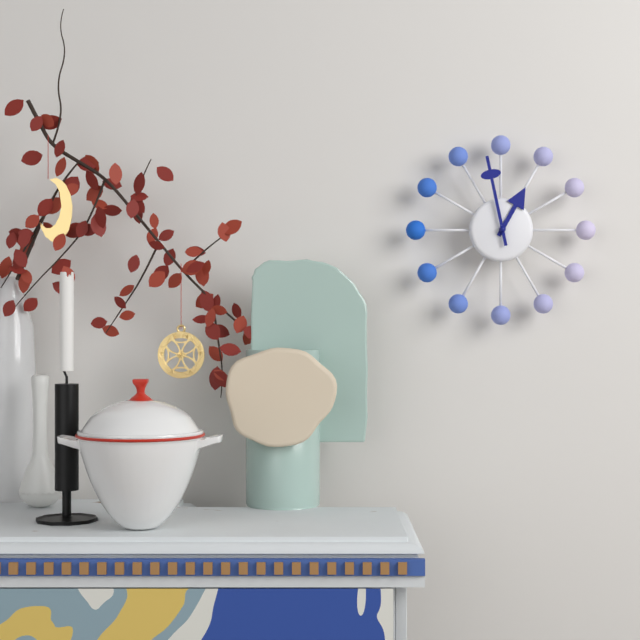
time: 12:58
